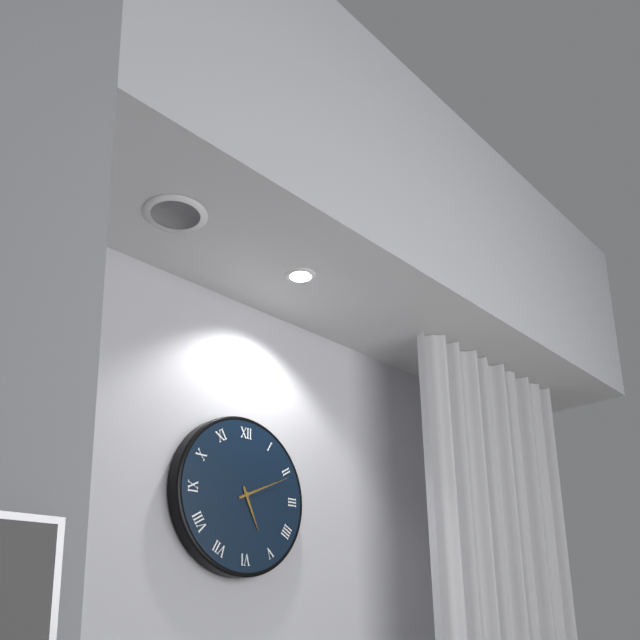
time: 5:11
